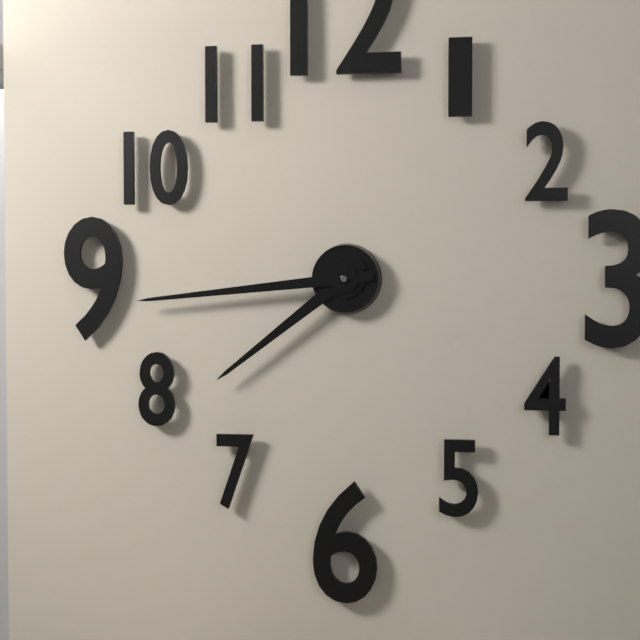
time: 7:44
